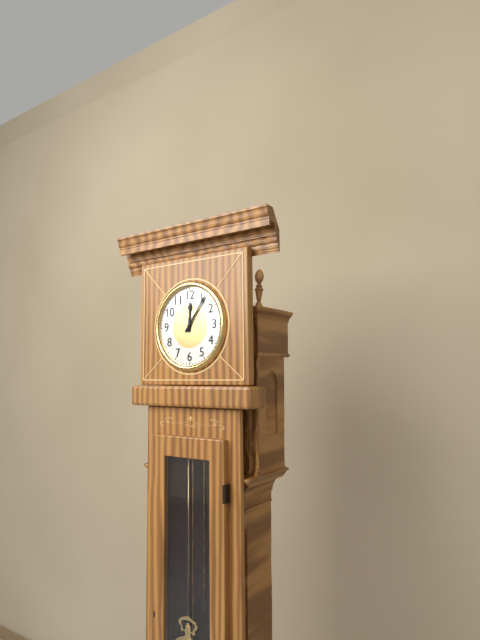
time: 12:06
